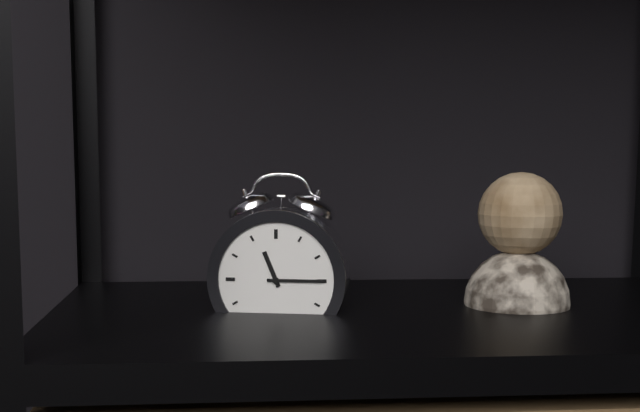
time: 11:15
